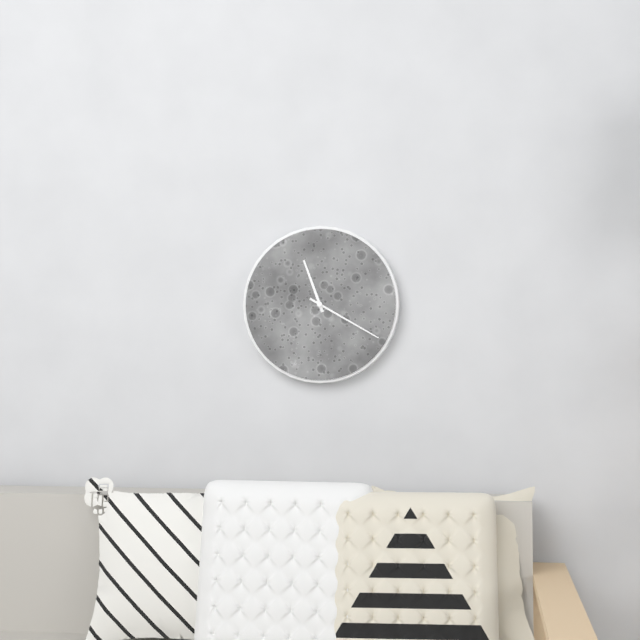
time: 11:20
